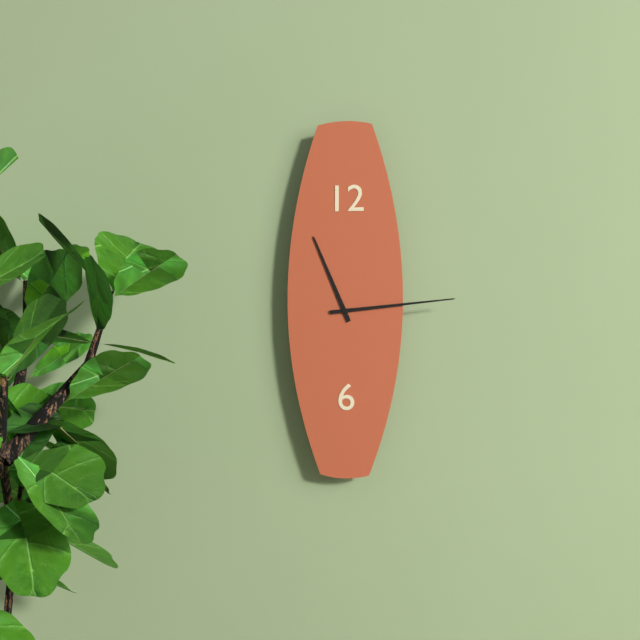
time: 11:14
